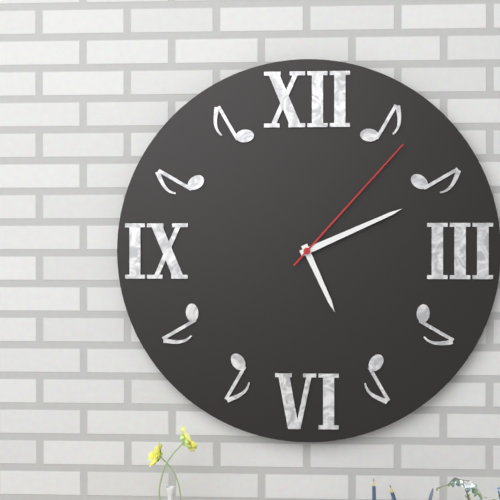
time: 5:11:07
